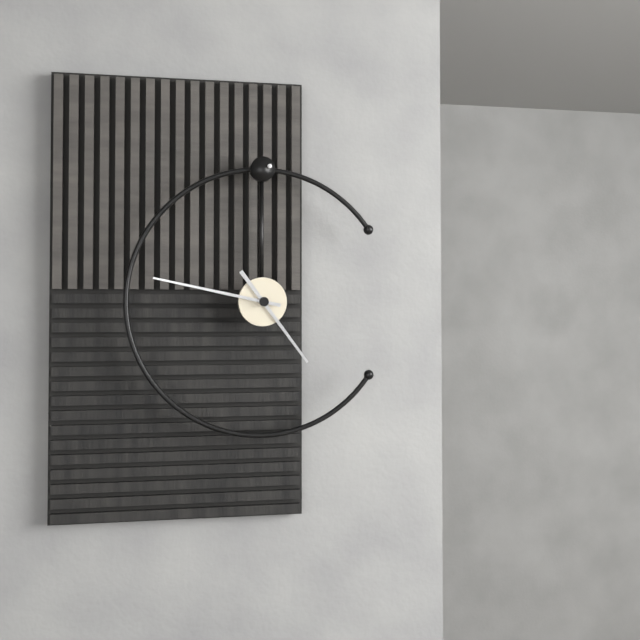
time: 4:47
